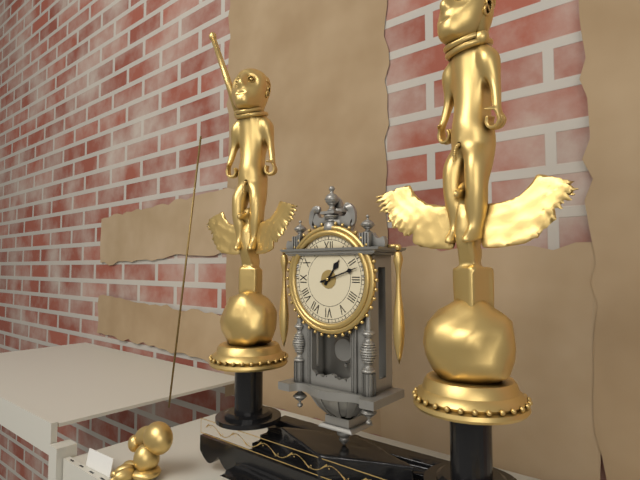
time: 1:12
